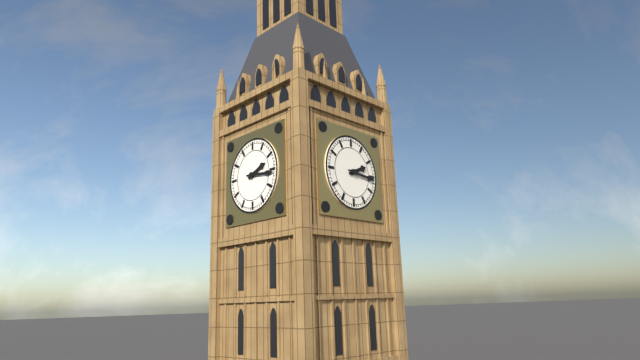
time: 2:16
